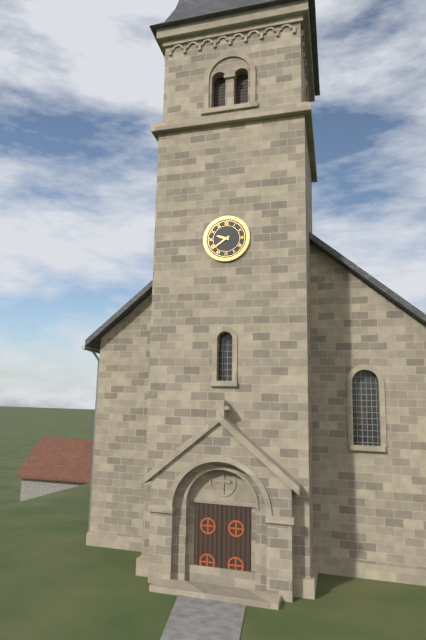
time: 9:39
